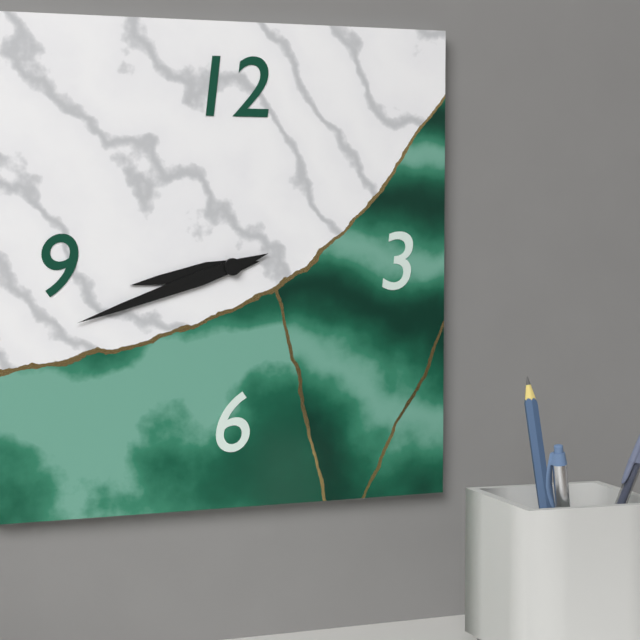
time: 8:42
